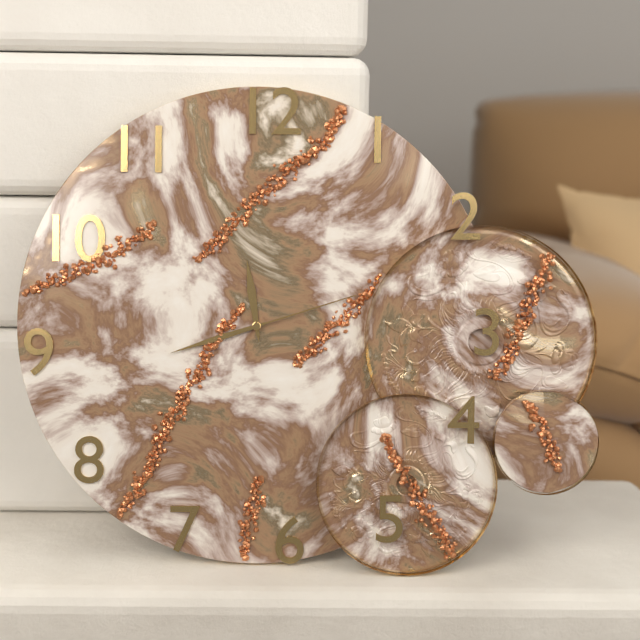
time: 11:42:12
